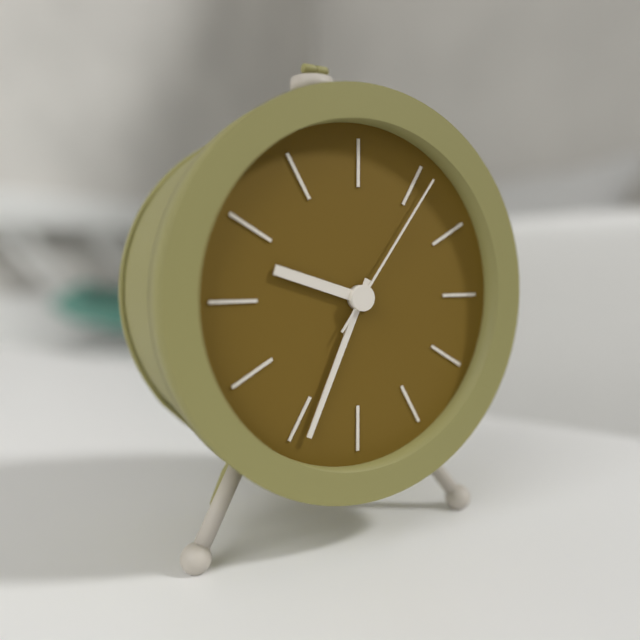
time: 9:34:06
